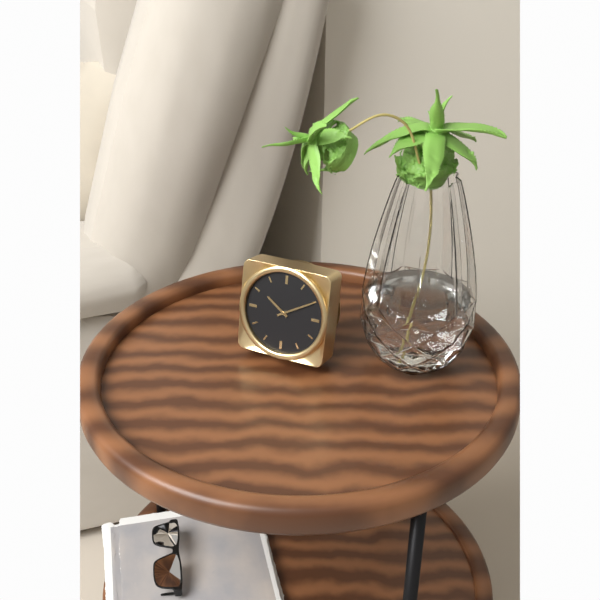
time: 10:10
